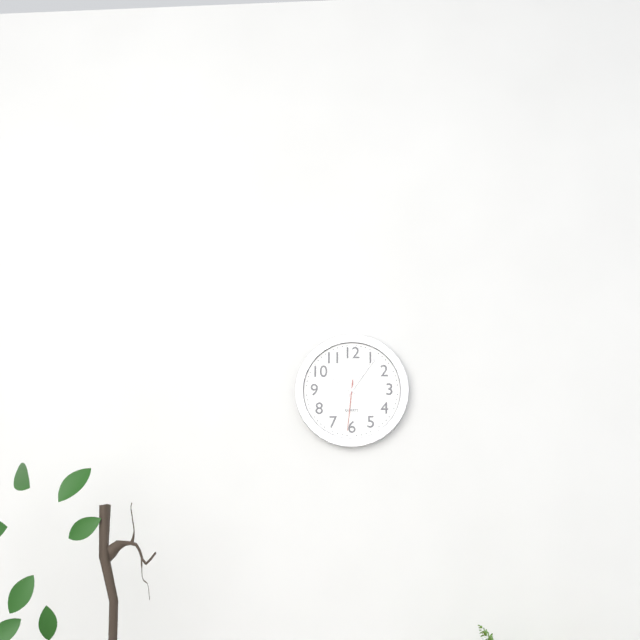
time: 10:06:31
